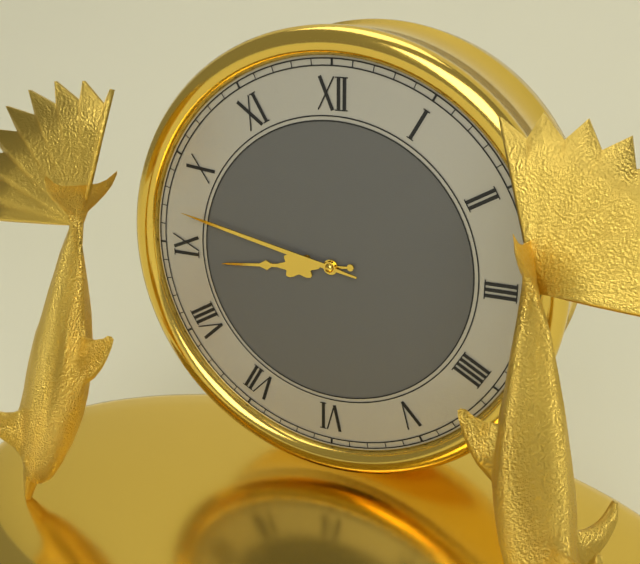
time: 8:47
